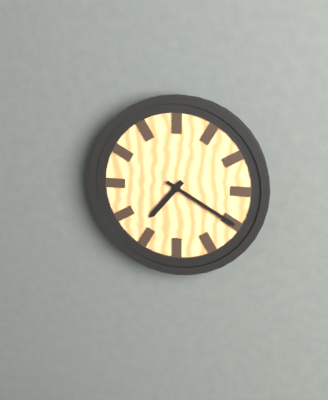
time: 7:20
